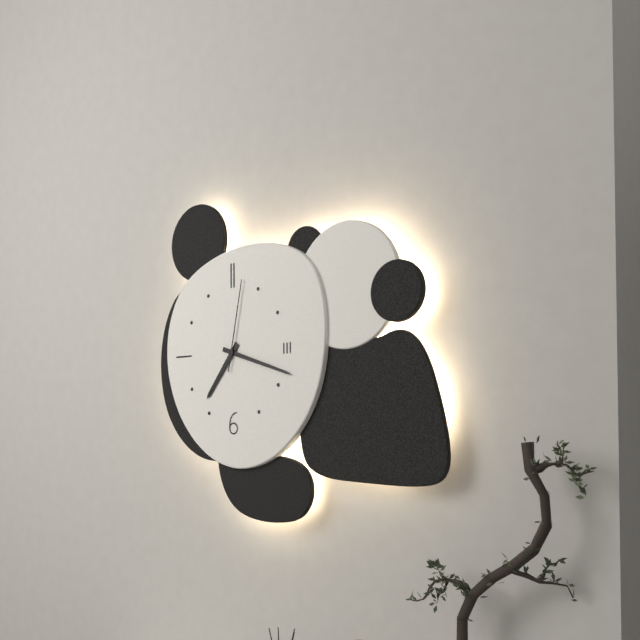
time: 7:18:02
